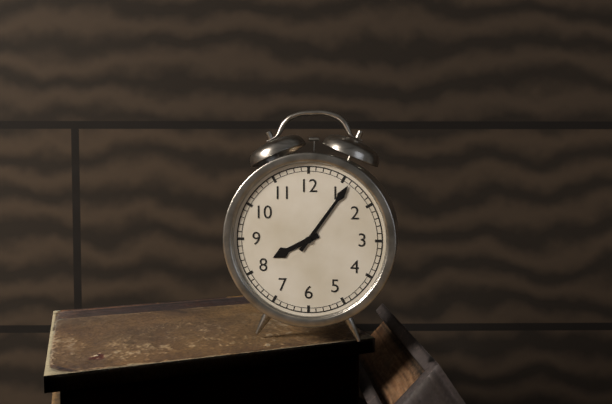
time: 8:06
